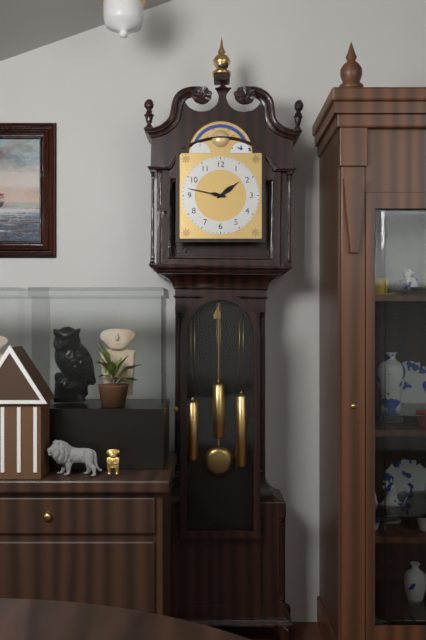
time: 1:47
